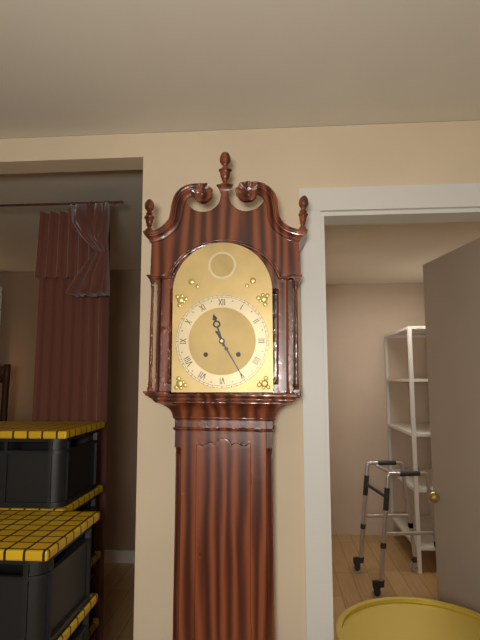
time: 11:25
